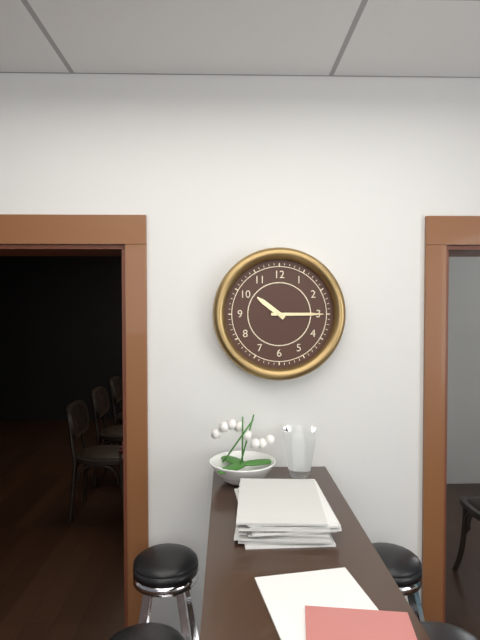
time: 10:15
